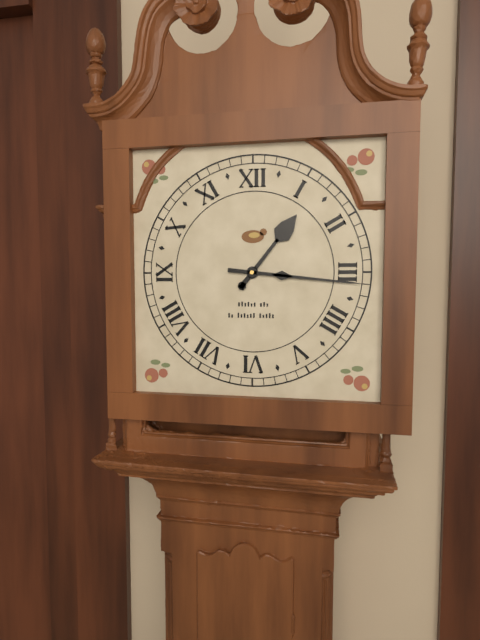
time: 1:16
